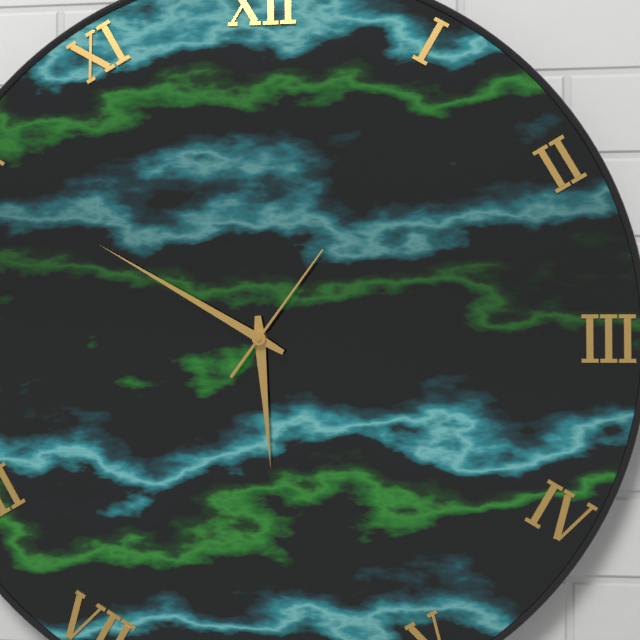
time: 5:50:06
